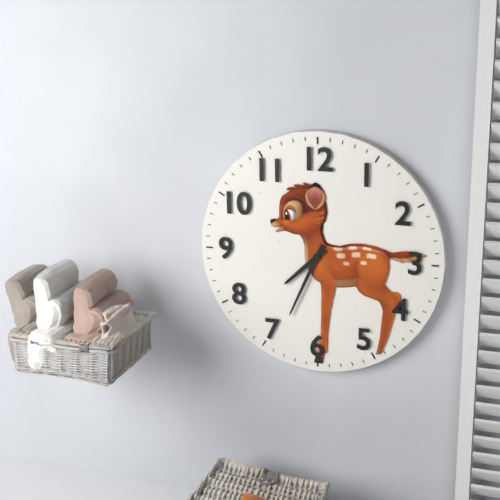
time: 7:34
